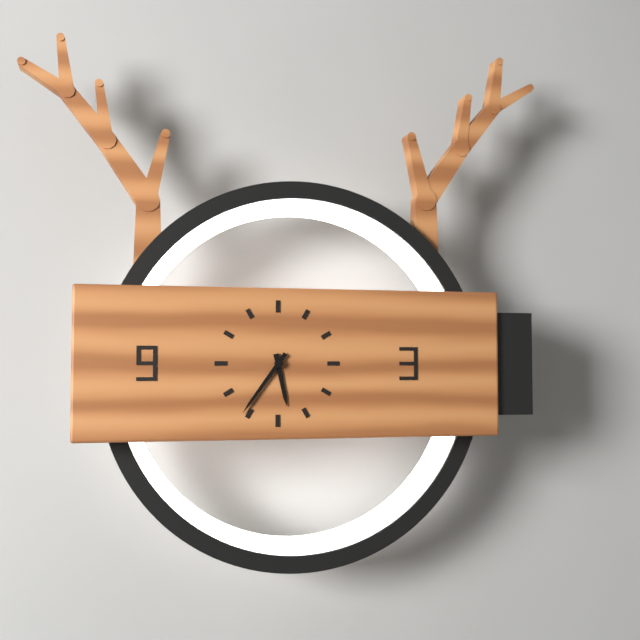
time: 5:36
